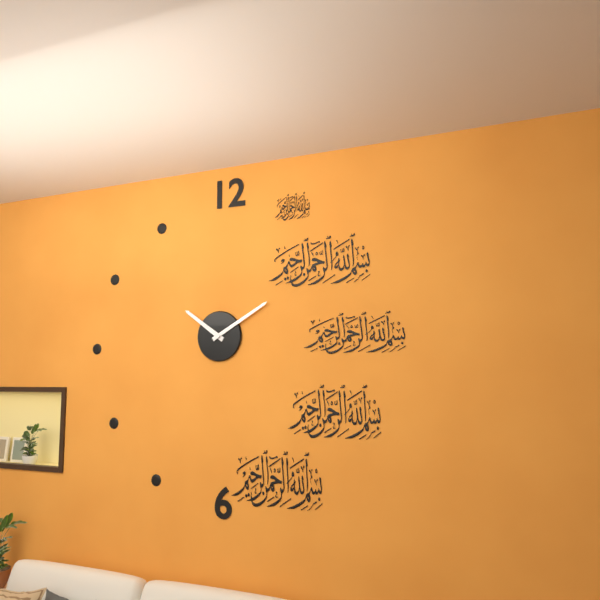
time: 10:10
